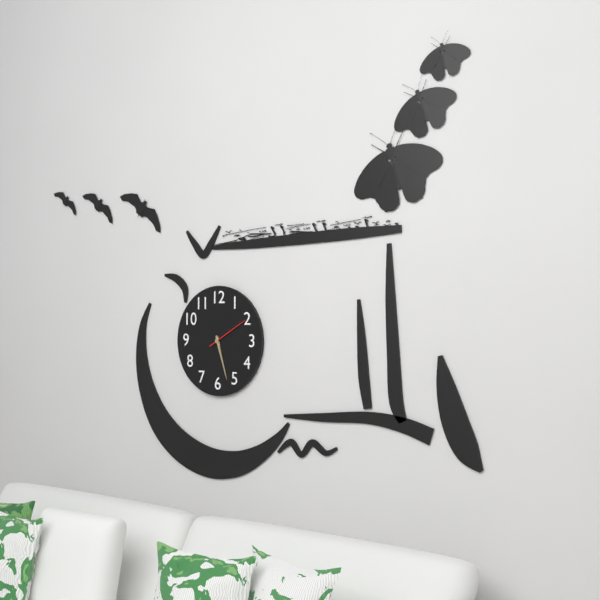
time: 5:27
